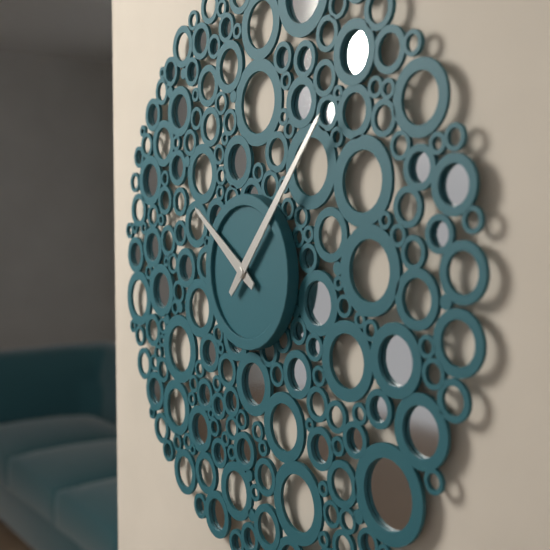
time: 10:07
